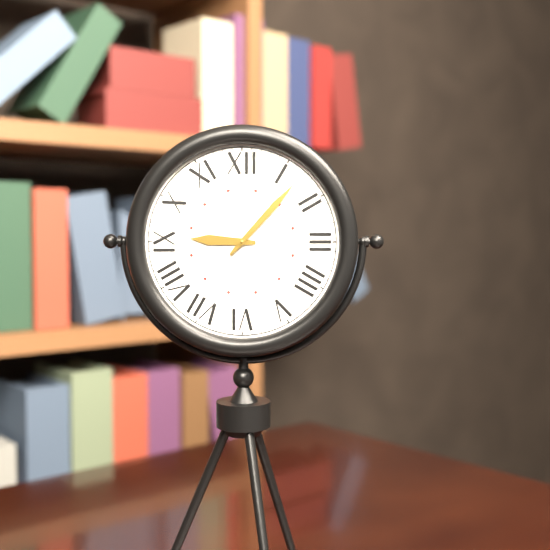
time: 9:07
